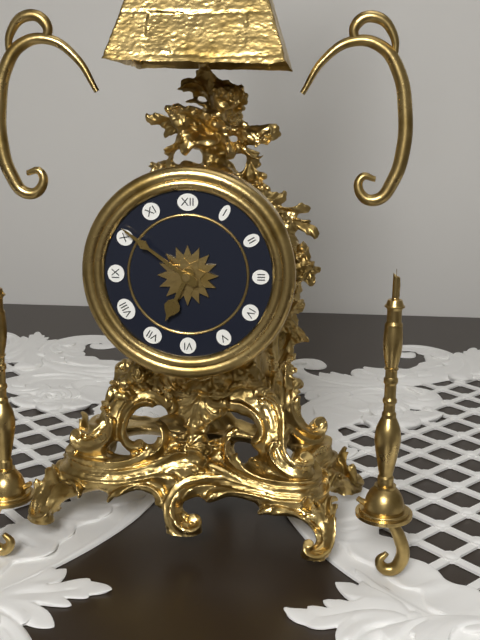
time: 6:51
